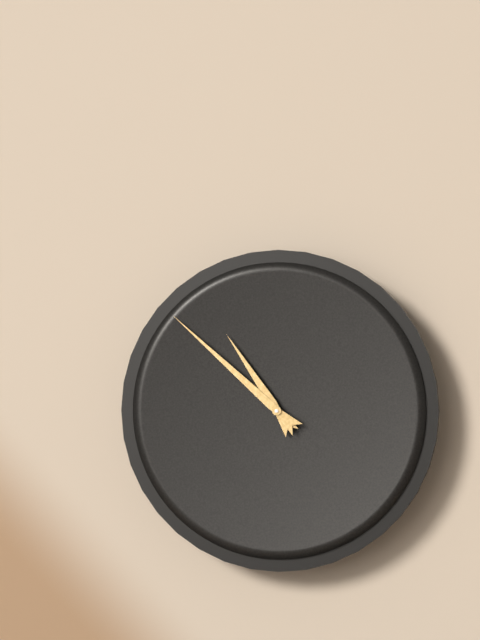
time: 10:52
